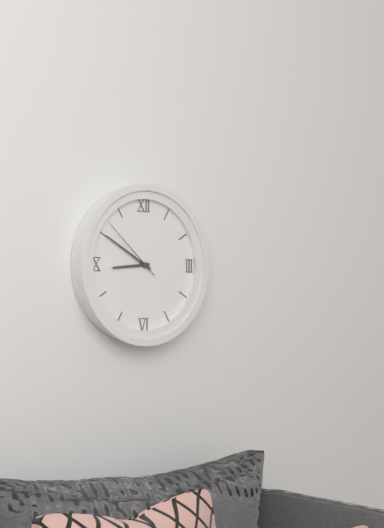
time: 8:50:52
